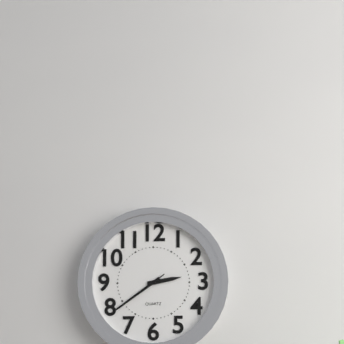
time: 2:39:39
